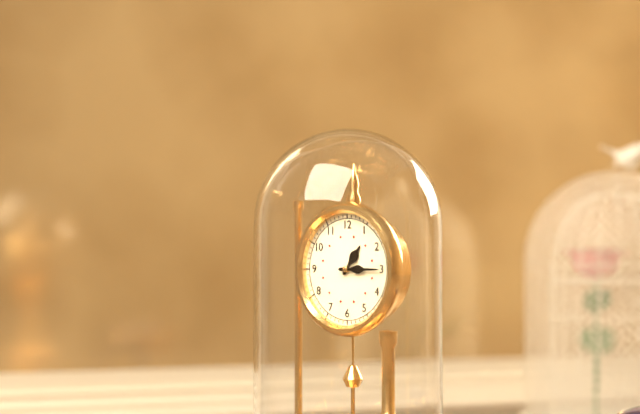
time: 1:15
